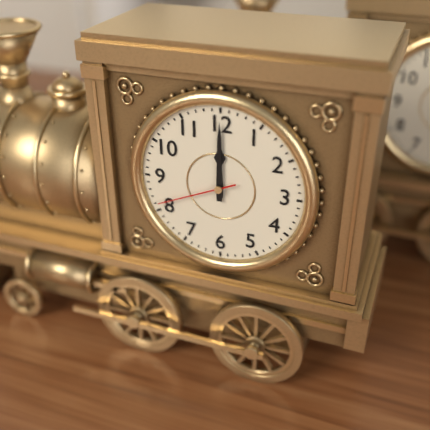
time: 12:00:41
